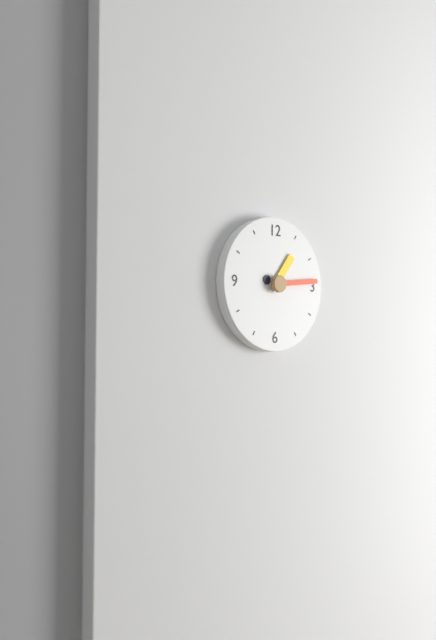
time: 1:14
